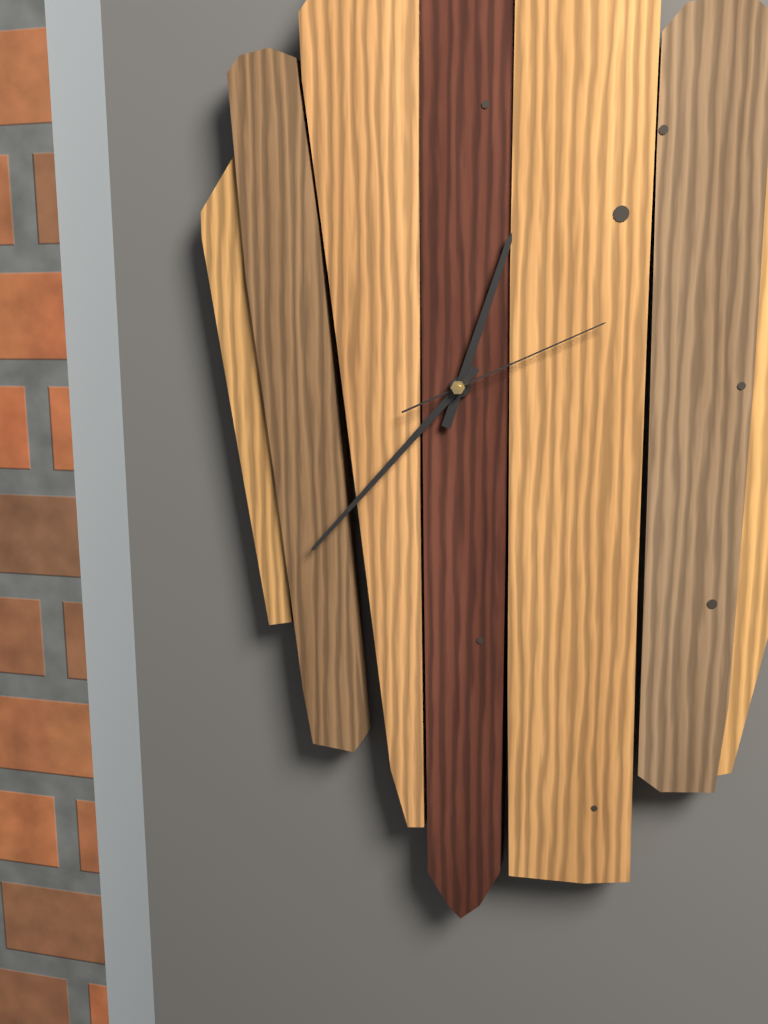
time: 12:37:11
